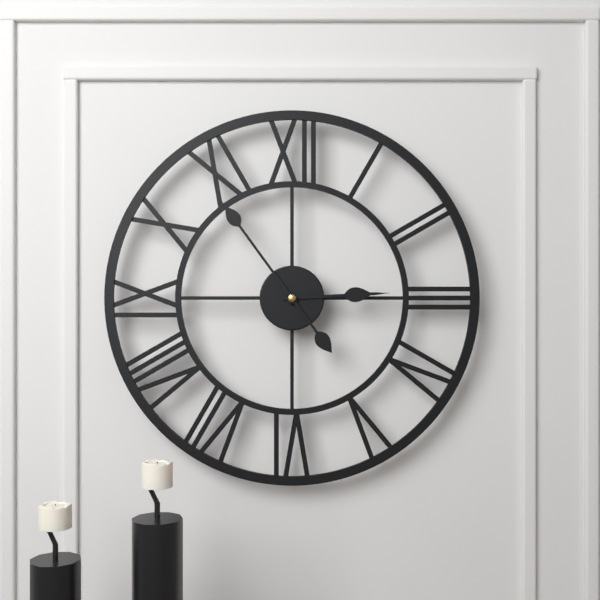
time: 2:54
